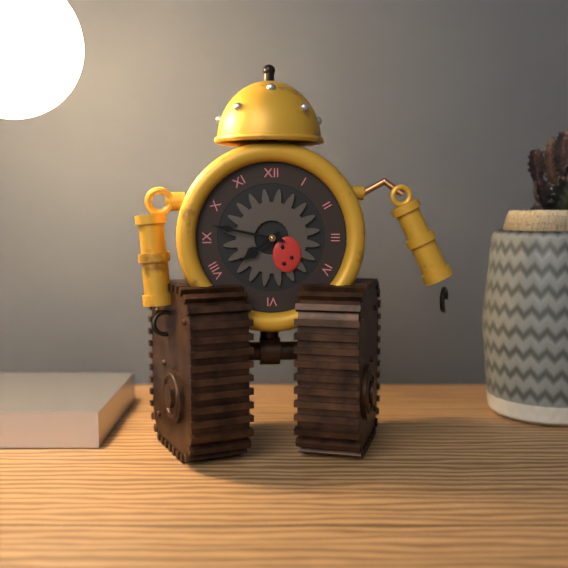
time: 7:47
